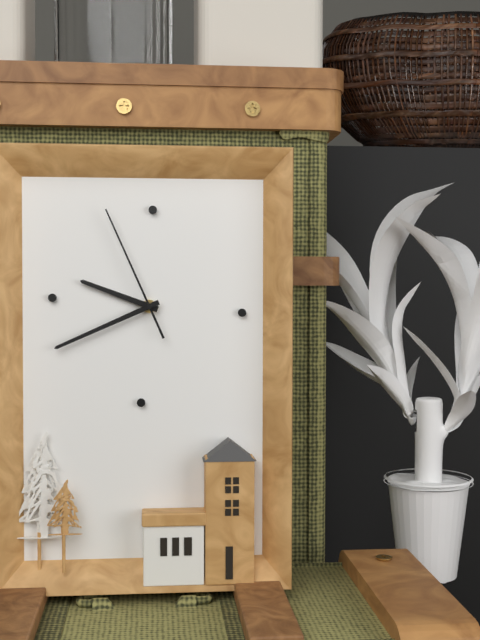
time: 9:41:56
